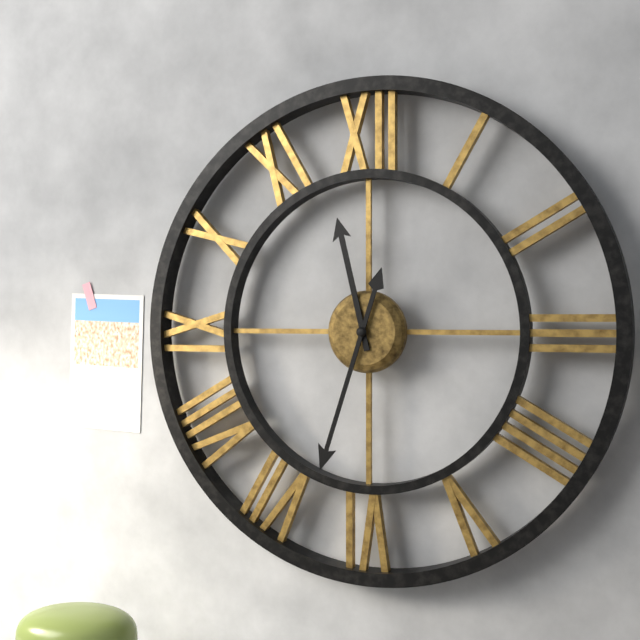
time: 11:33
